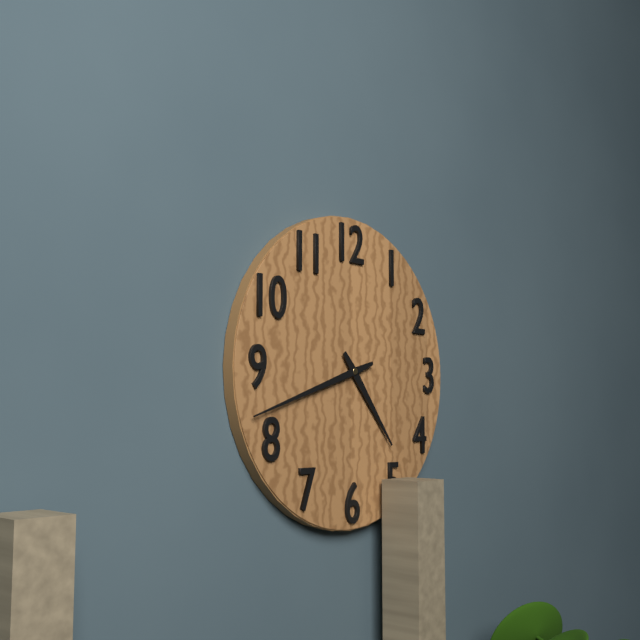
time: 4:42
